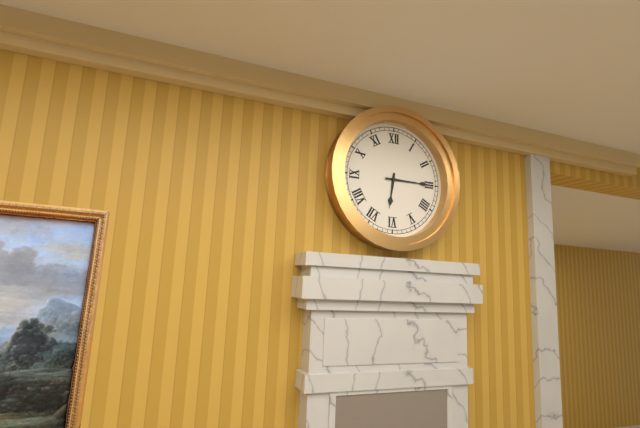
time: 6:15
